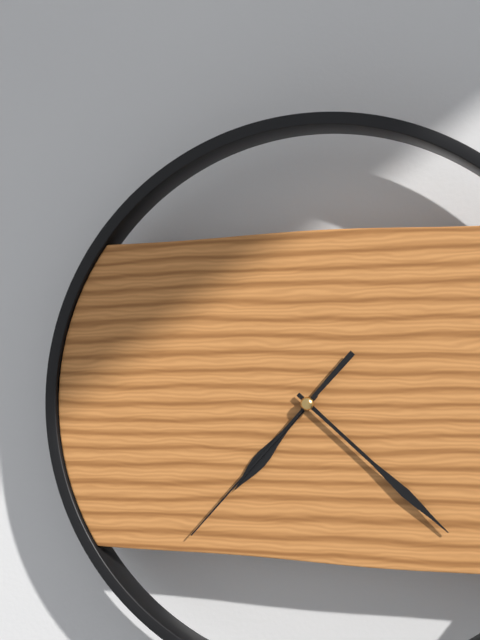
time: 7:22:37
